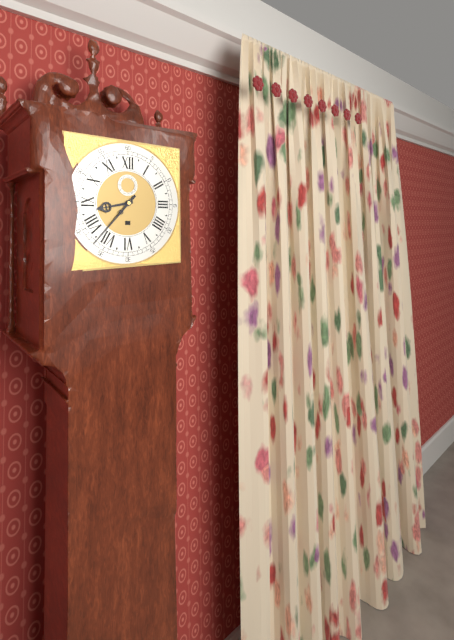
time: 8:37
